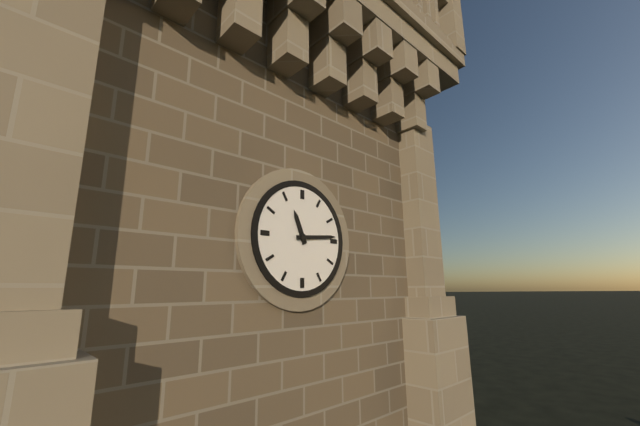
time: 11:14
